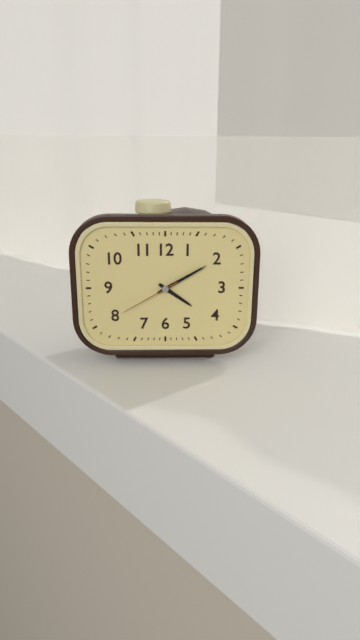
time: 4:10:40
